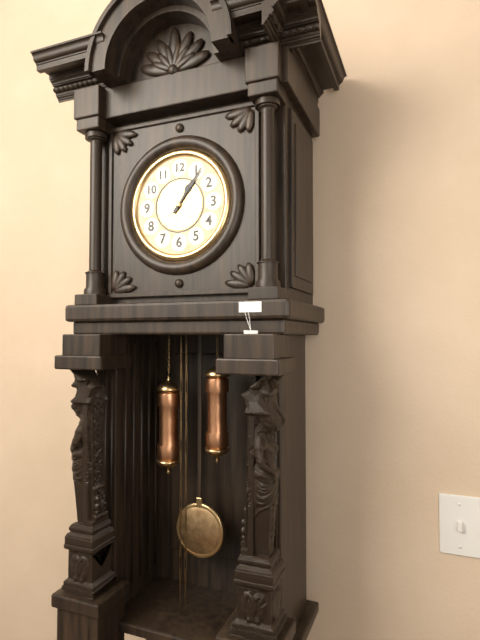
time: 1:06
